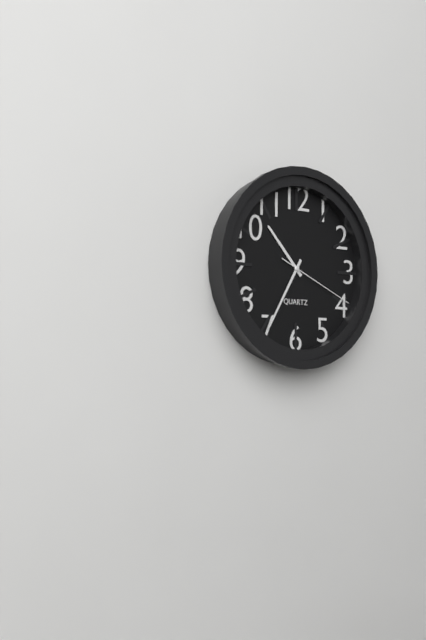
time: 10:35:19
